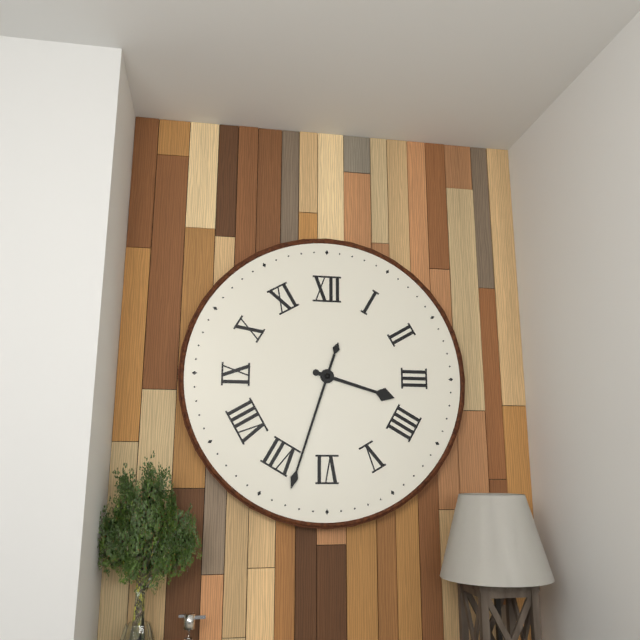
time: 3:33
